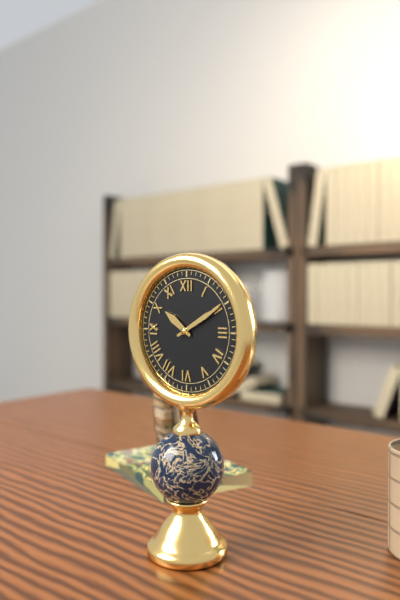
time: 10:10
